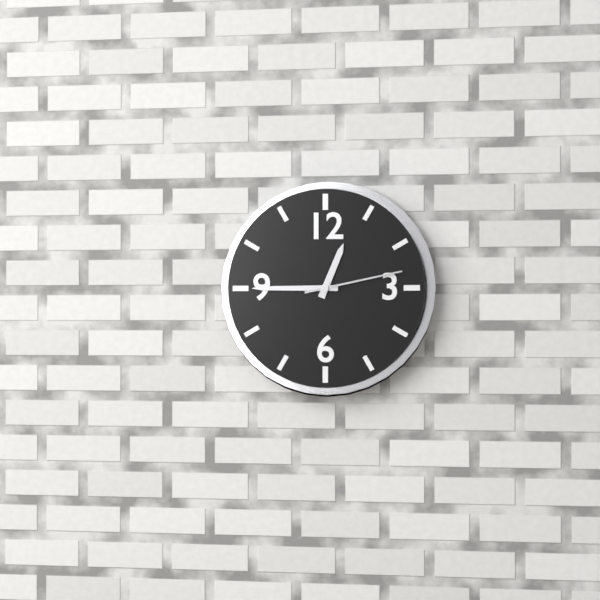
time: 12:45:13
